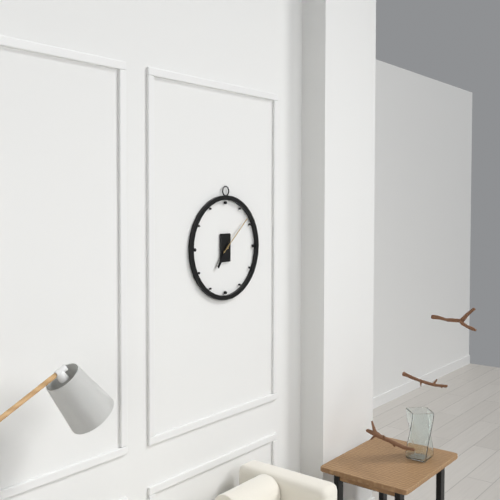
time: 7:08
